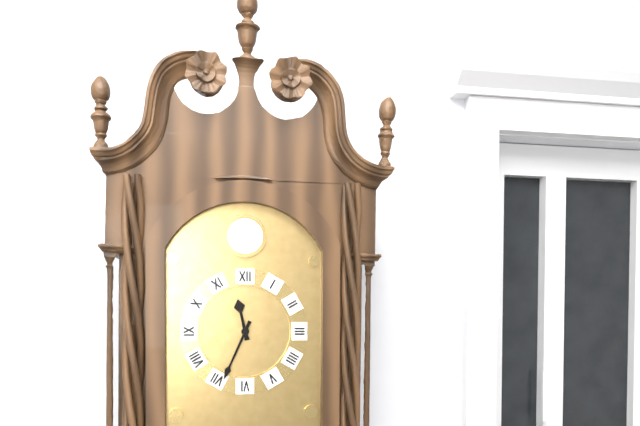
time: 11:34
